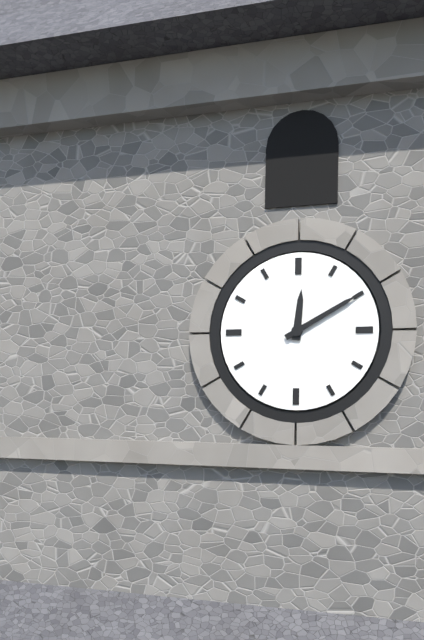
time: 12:10
